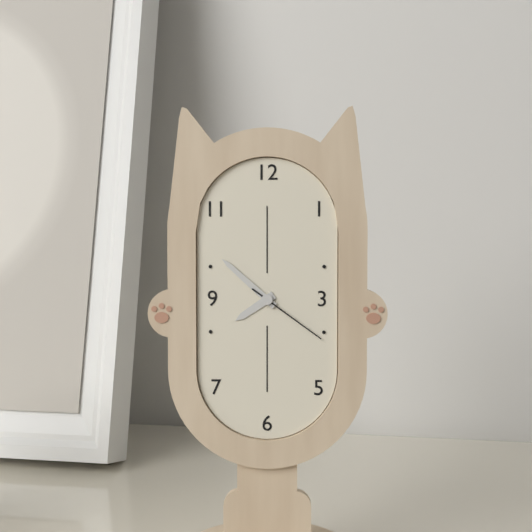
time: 7:52:21
